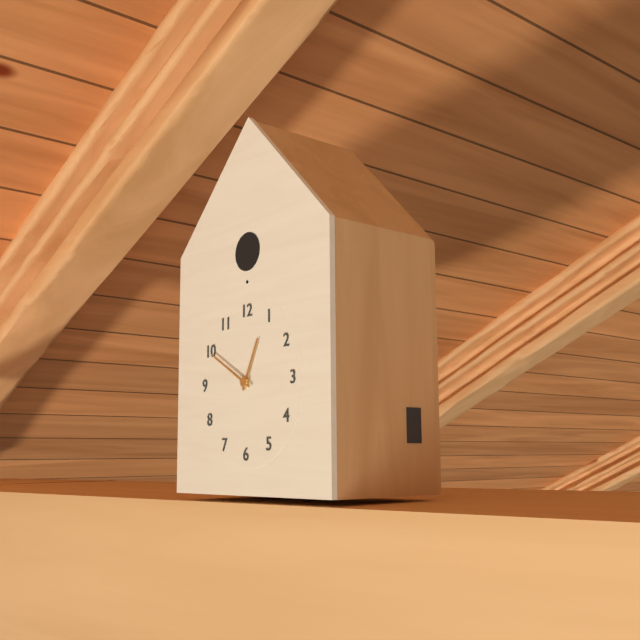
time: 12:50
